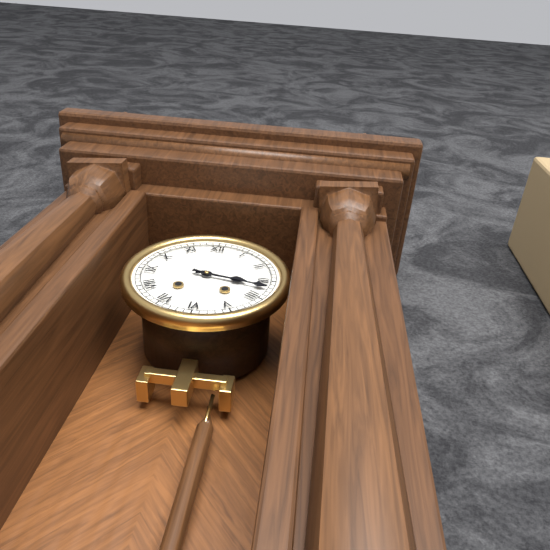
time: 3:17
